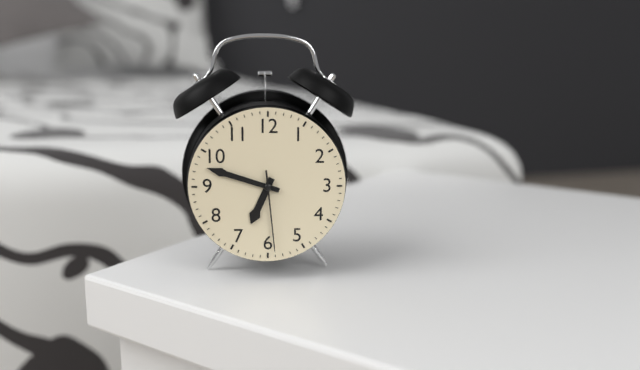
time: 6:48:29
